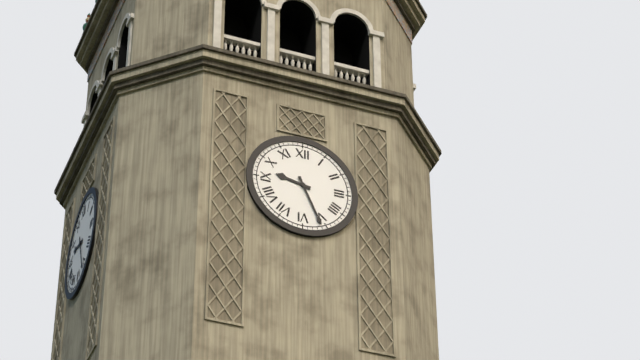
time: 9:26
